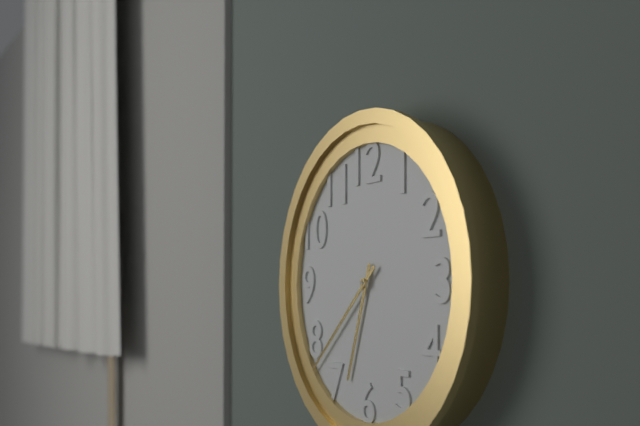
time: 6:38
